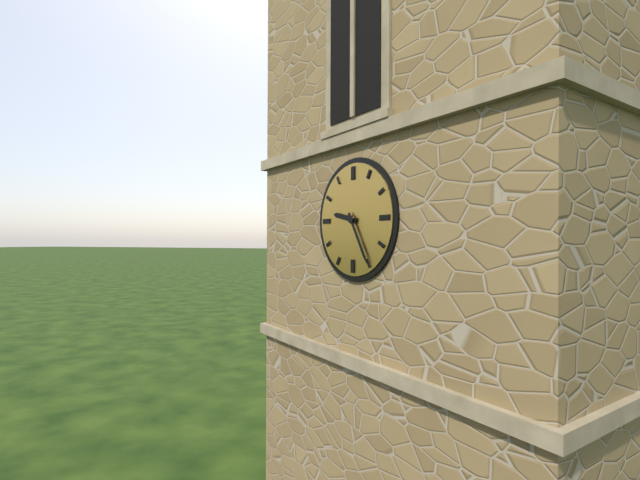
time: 9:25
